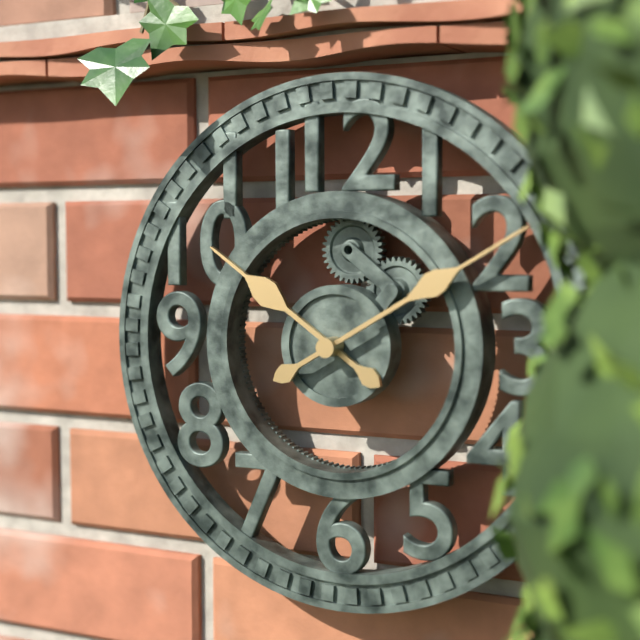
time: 10:10
